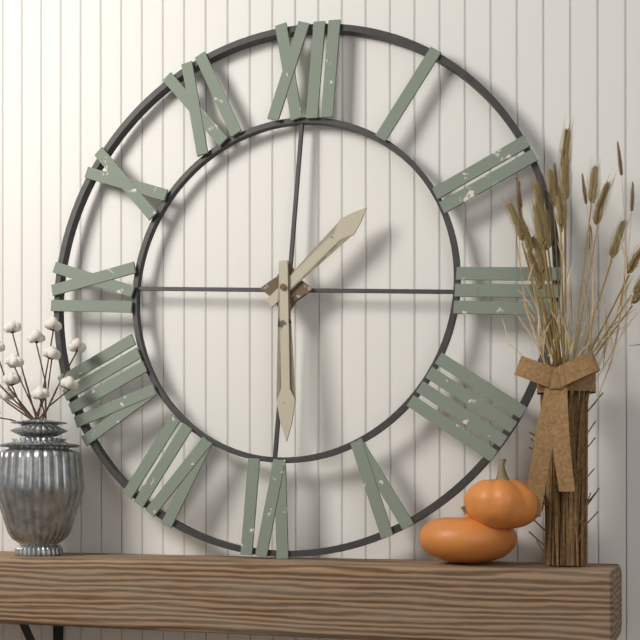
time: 1:29
